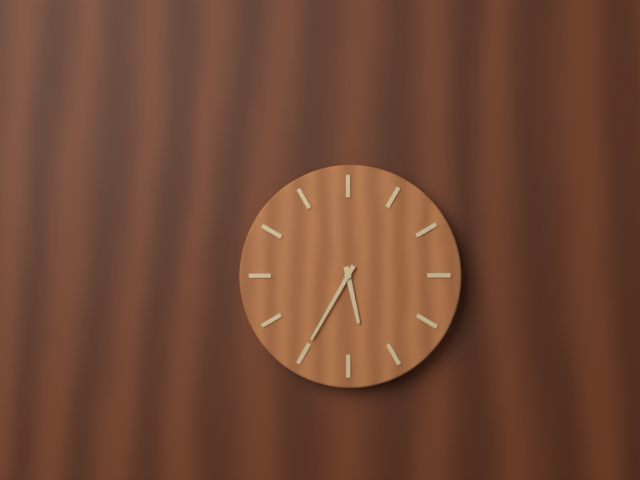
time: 5:35
